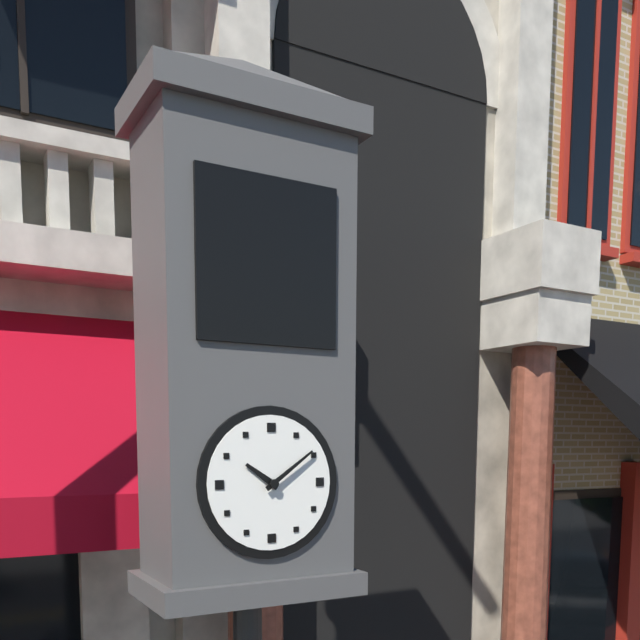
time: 10:09
